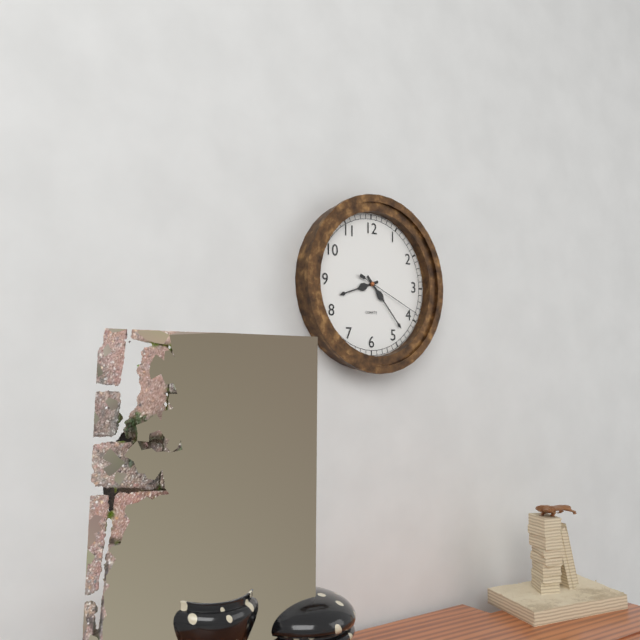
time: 8:23:19
